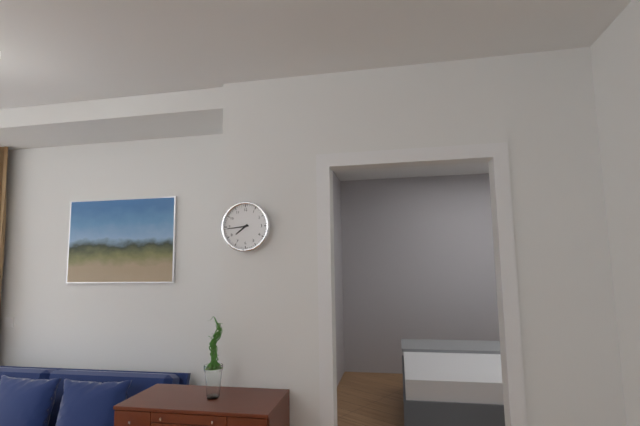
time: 7:44
